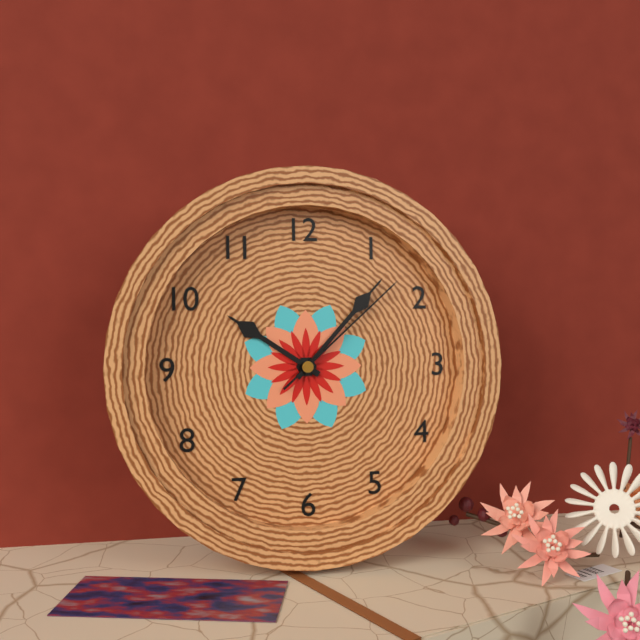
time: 10:07:08
